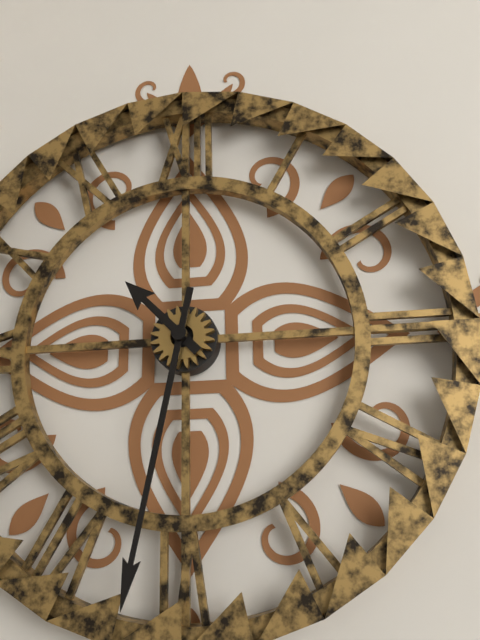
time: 10:32
